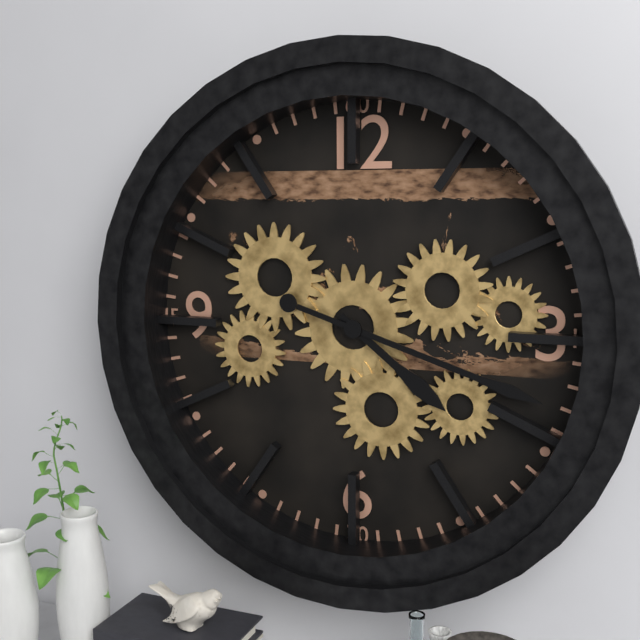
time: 4:18
